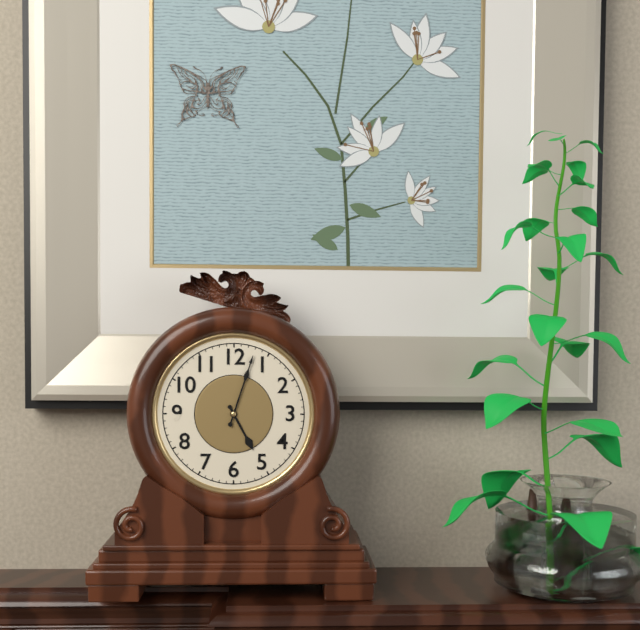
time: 5:03
